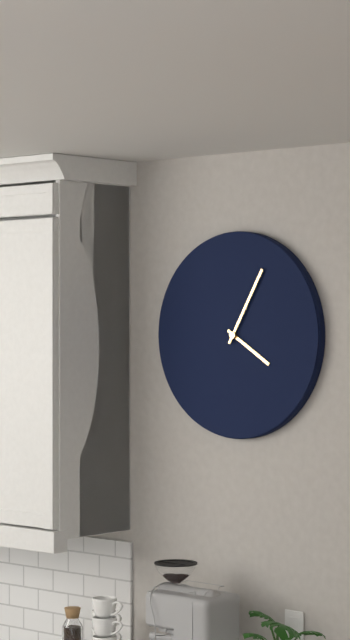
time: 4:05
